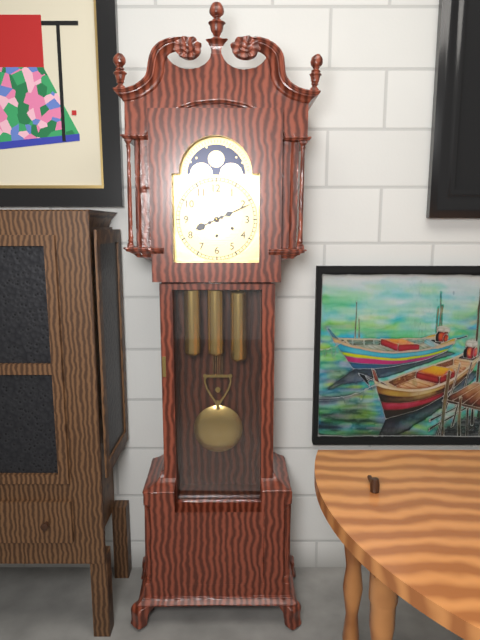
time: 8:11
